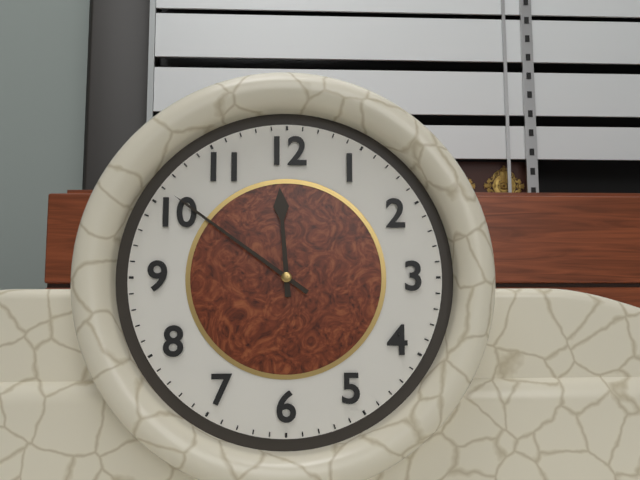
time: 11:51
